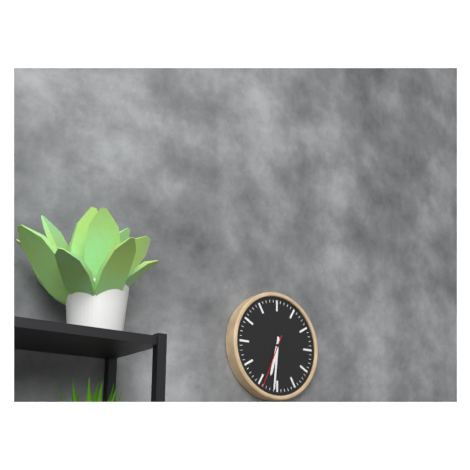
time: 6:31:34
